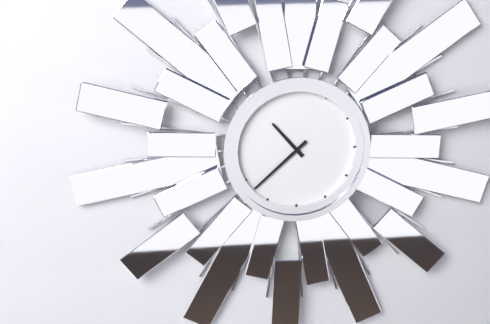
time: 10:38
